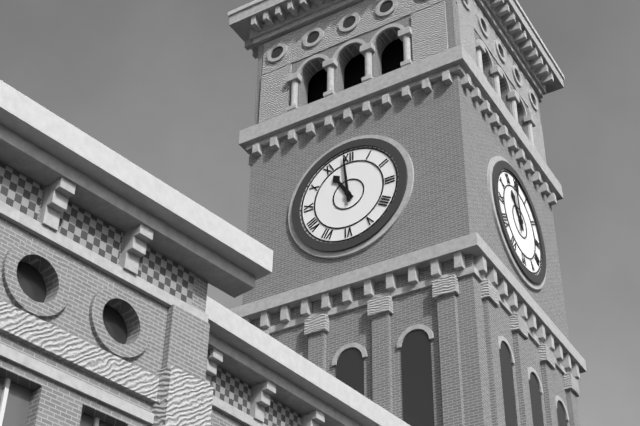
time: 10:59
